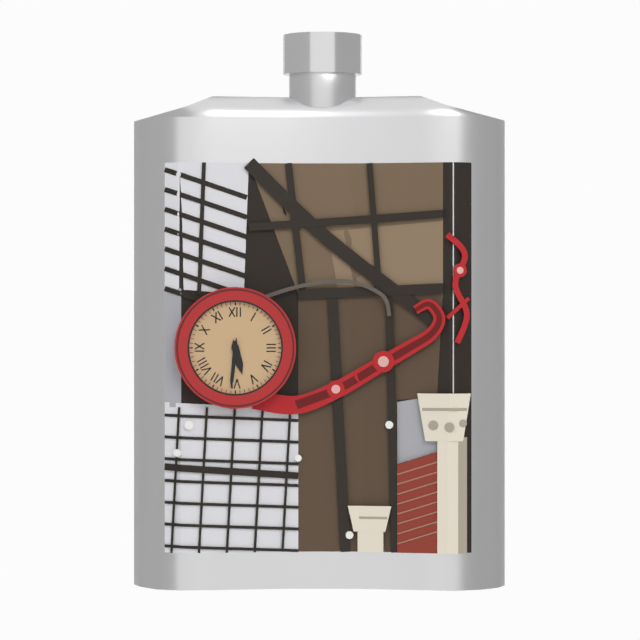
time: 5:31
